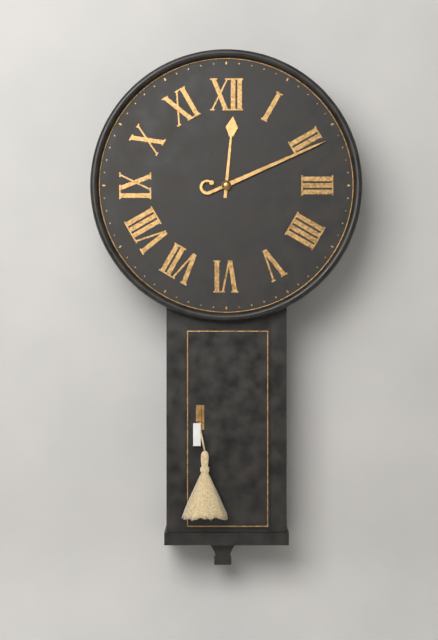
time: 12:11
